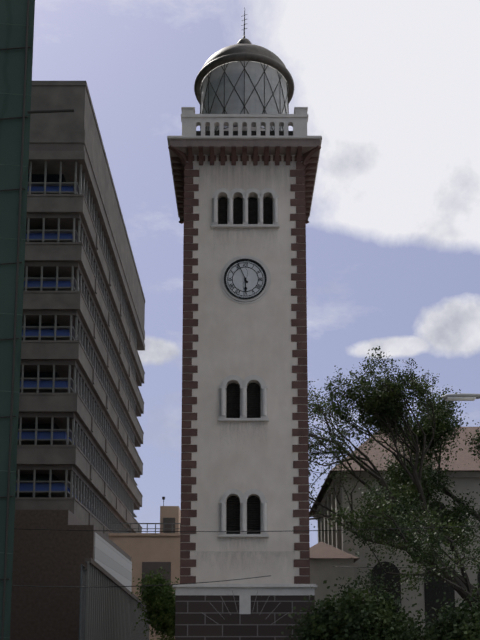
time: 5:56
